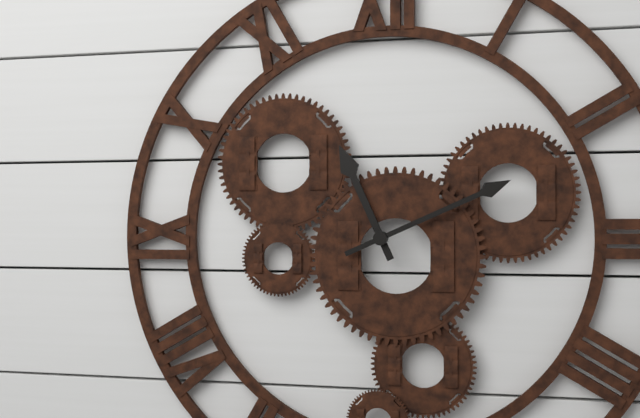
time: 11:11
